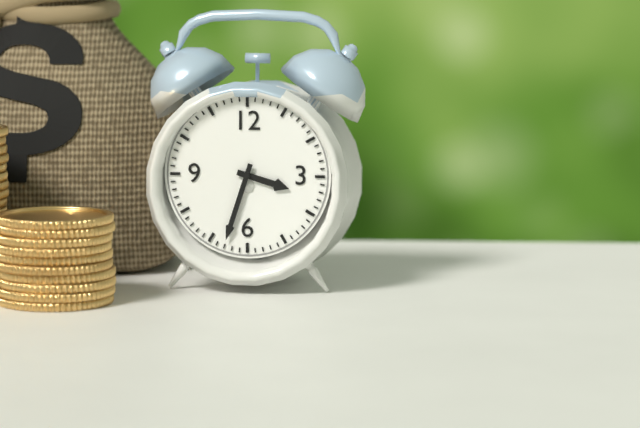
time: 3:33
